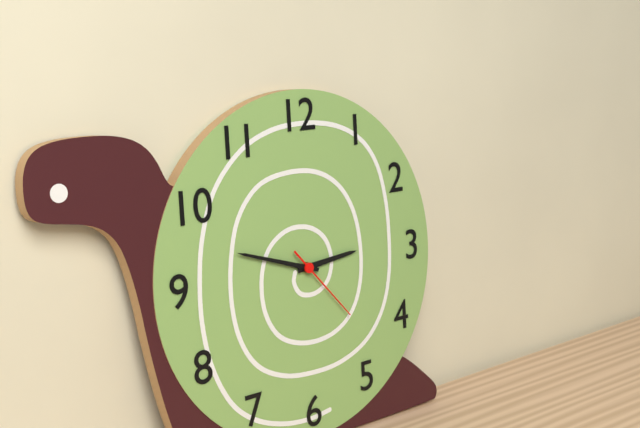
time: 2:48:23
